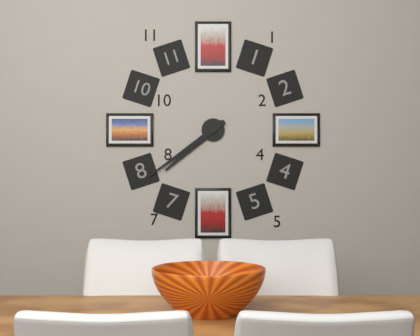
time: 7:39
